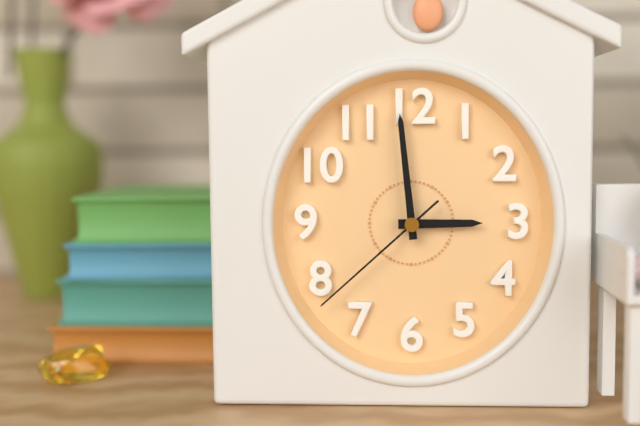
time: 2:59:38
